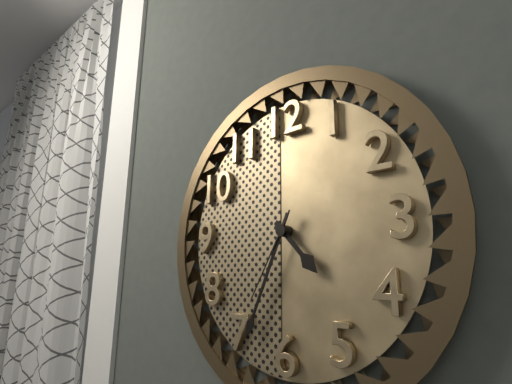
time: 4:34:35
